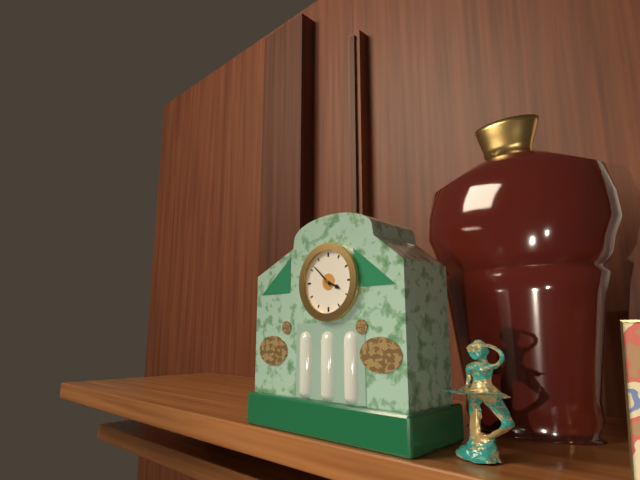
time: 3:52
